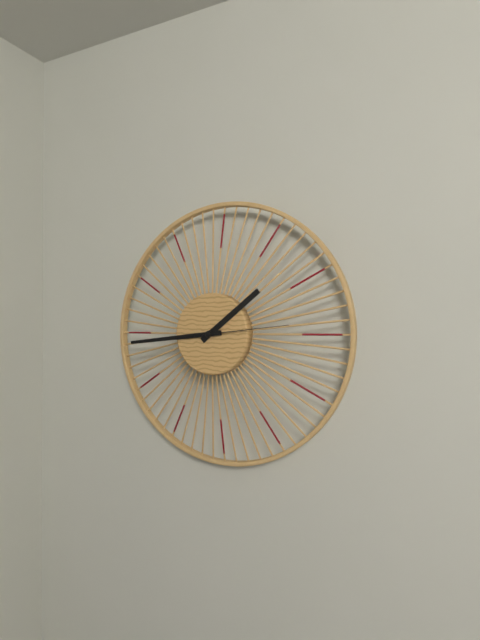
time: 1:44:14
